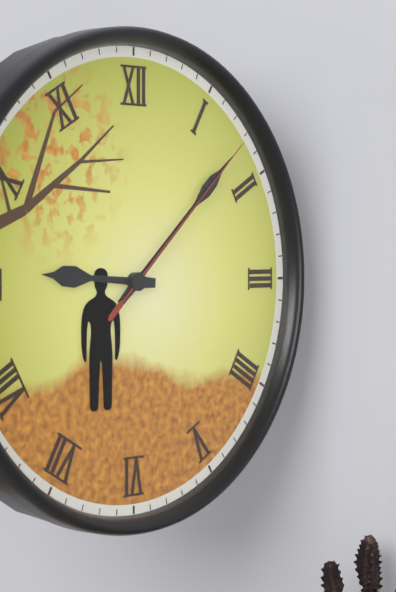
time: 9:08:08
